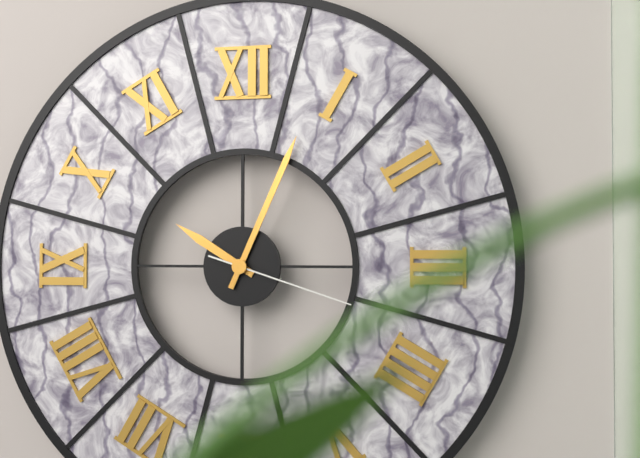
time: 10:04:18
